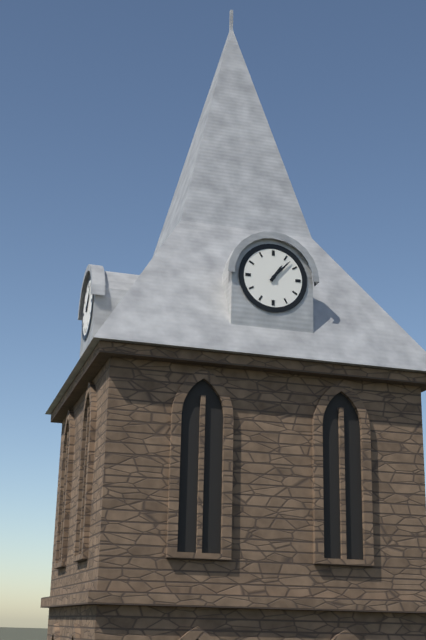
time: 1:07
